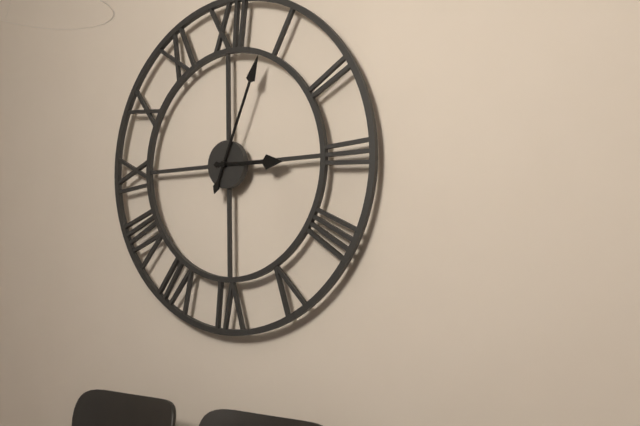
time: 3:04
